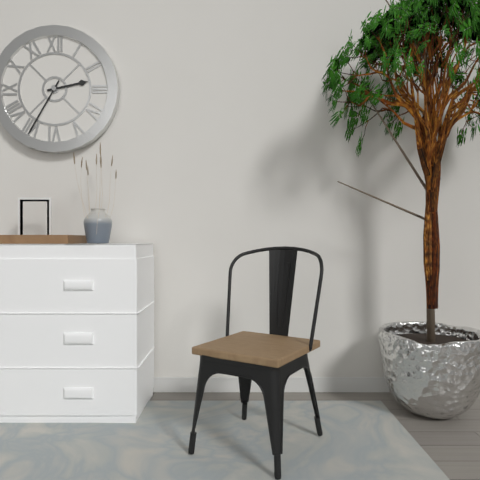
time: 2:35
